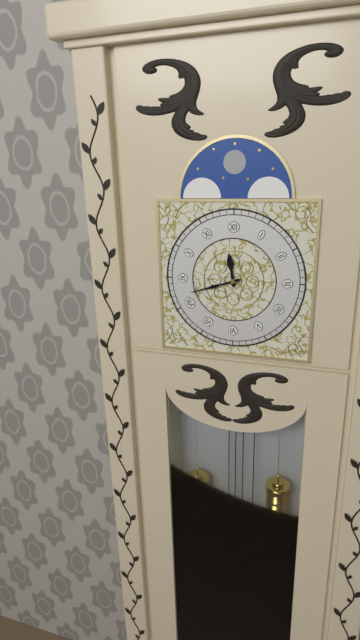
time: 11:42
